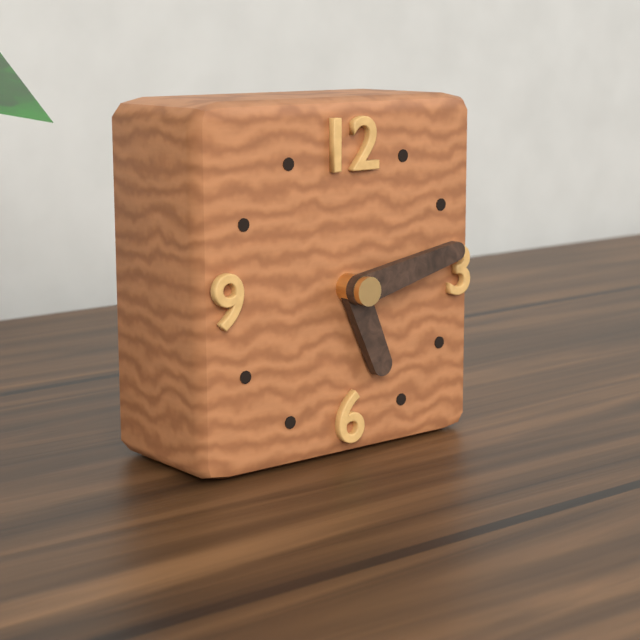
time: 5:13
